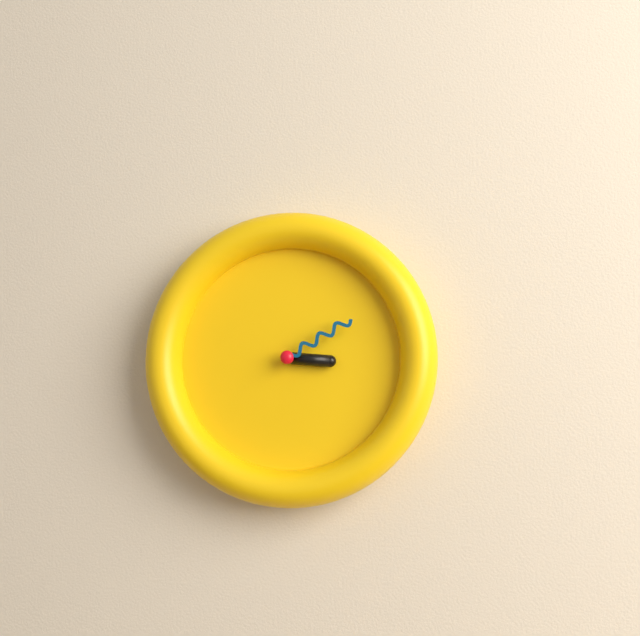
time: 3:10
